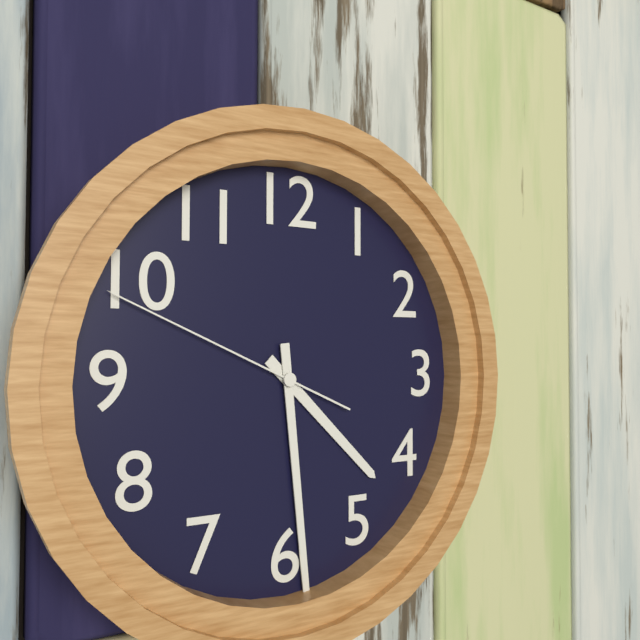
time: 4:29:49
